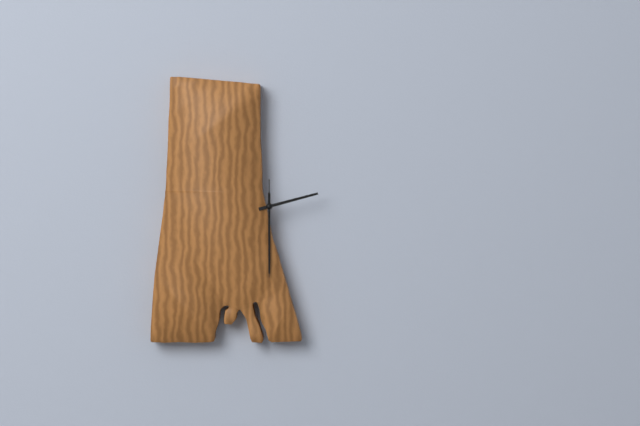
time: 2:30:30
